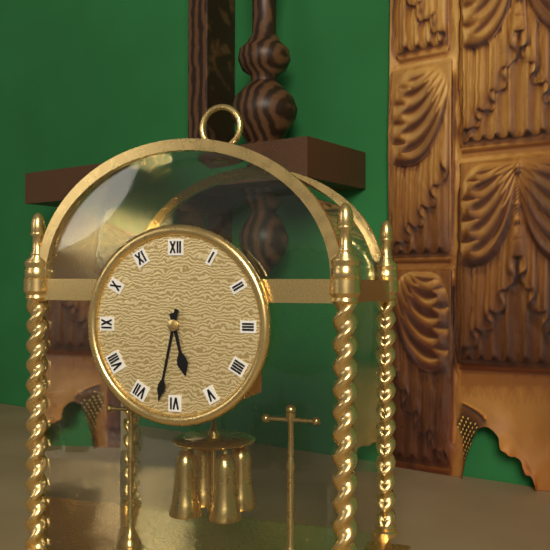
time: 5:32
